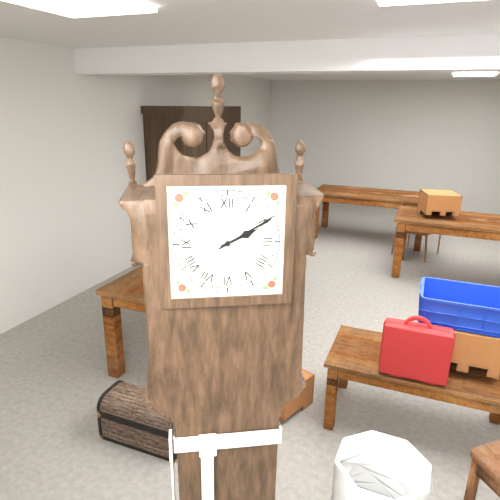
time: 2:10
